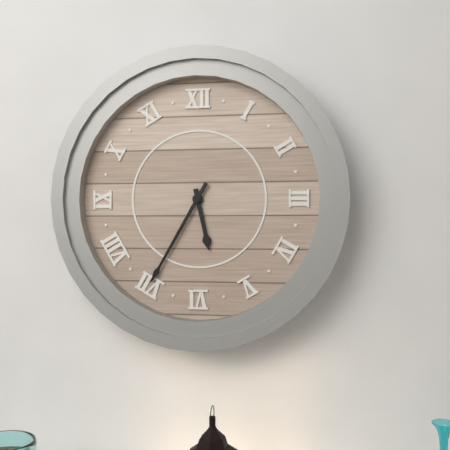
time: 5:35
